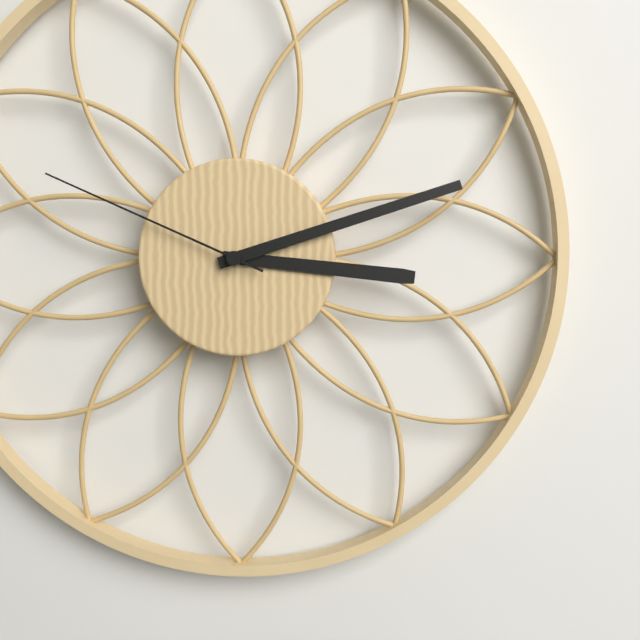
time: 3:12:49
